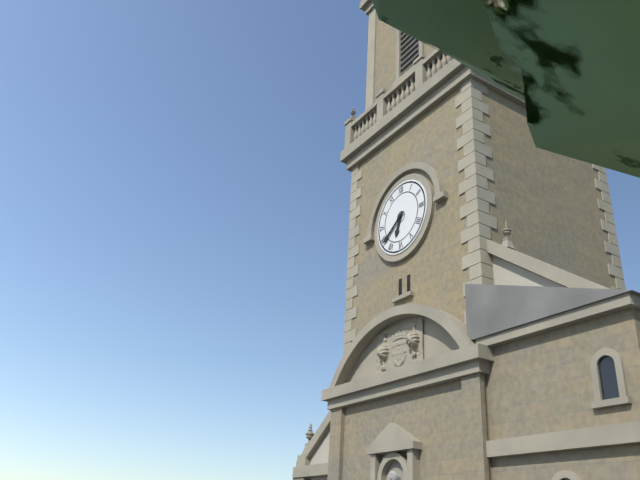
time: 6:39
